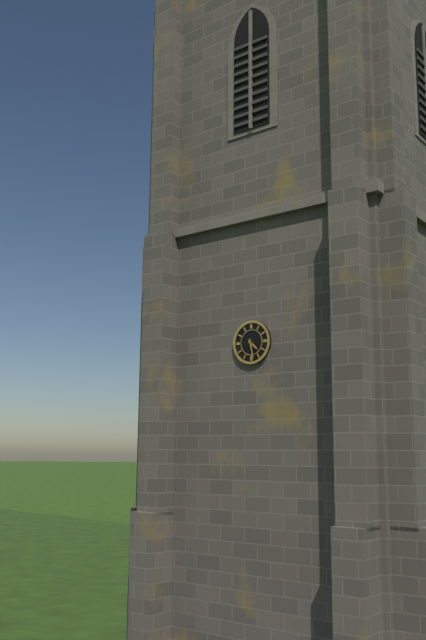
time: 4:28
